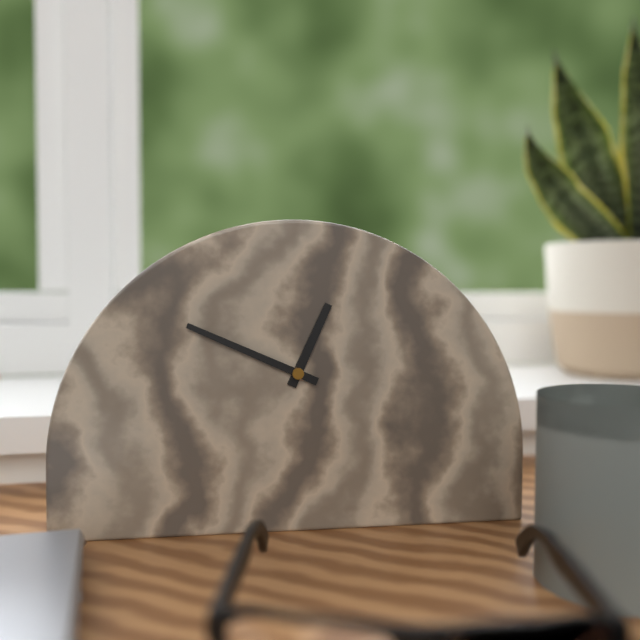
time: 12:49
